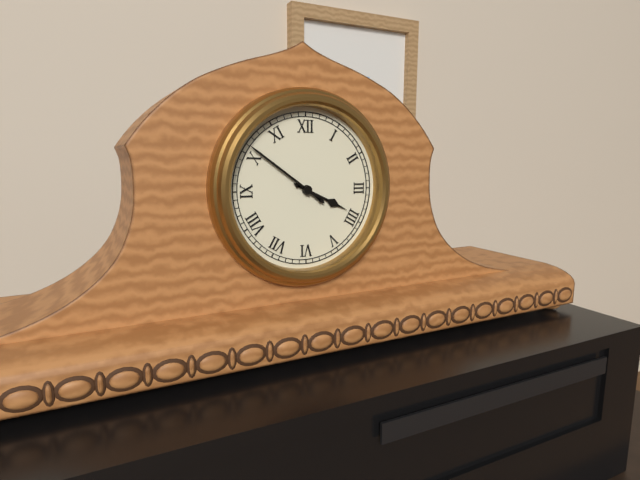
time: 3:51
